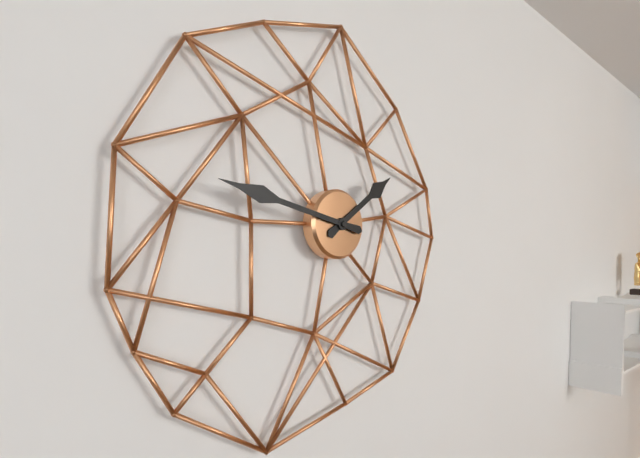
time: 1:47
